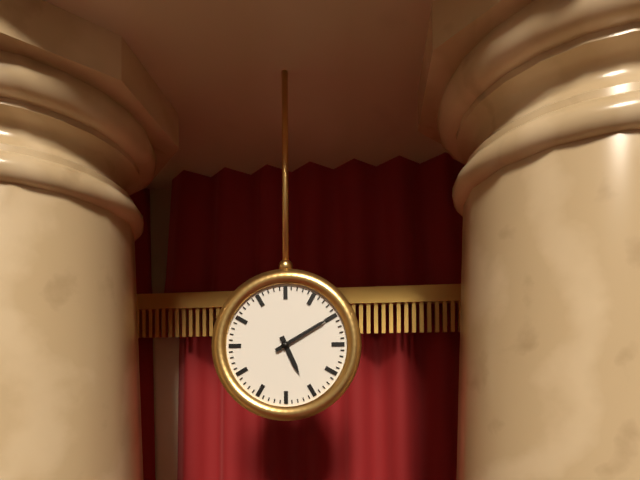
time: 5:10
